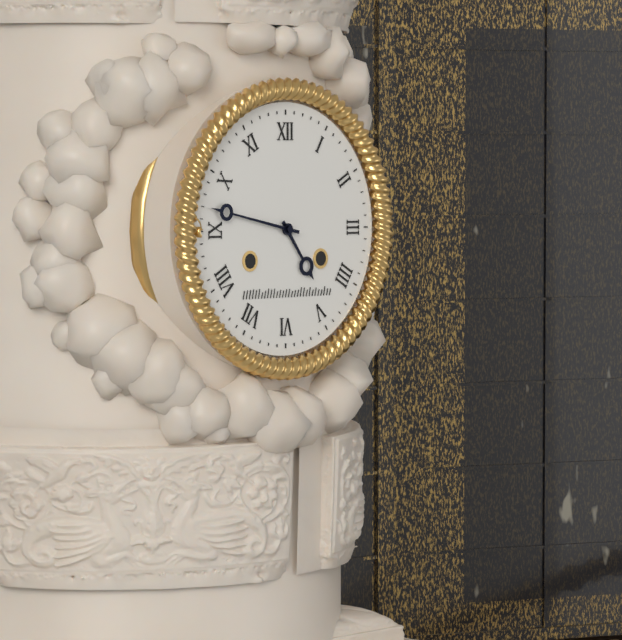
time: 4:47
